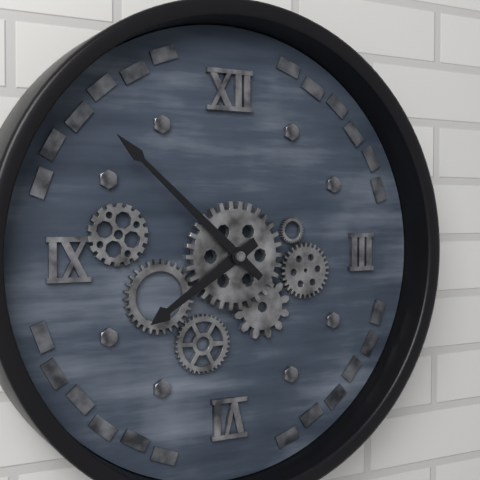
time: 7:52
